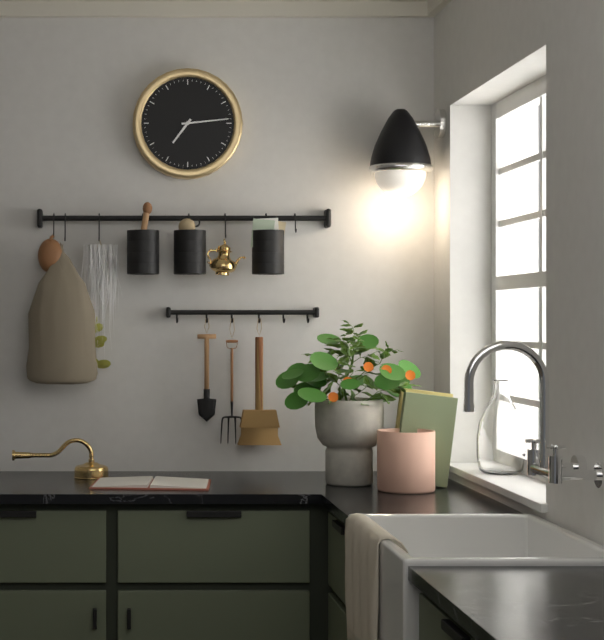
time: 7:14
